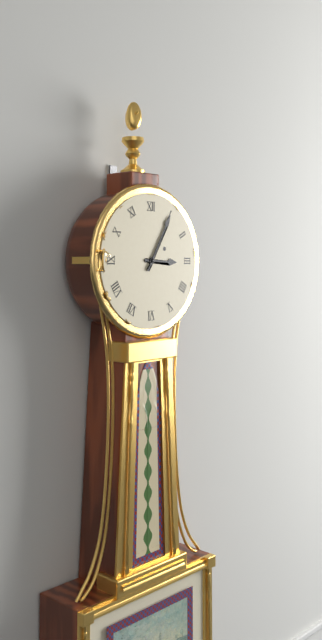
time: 3:05
